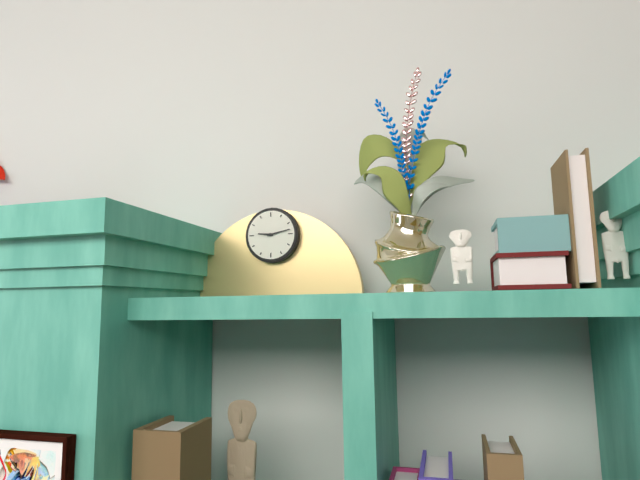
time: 9:13
